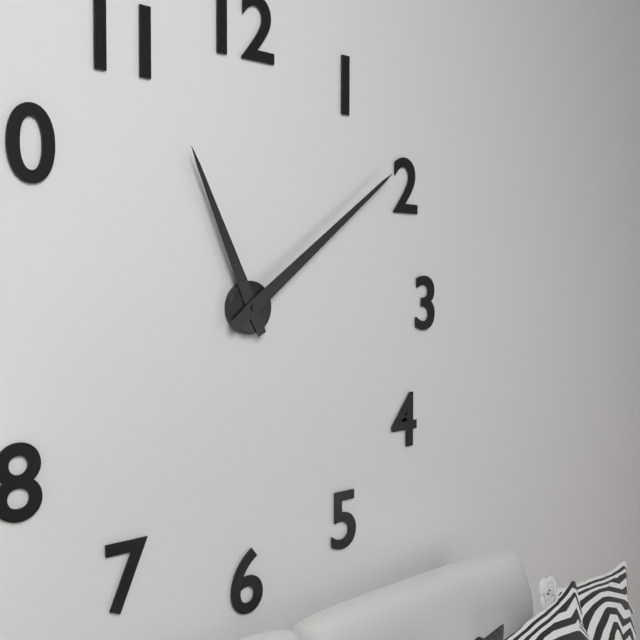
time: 11:09
